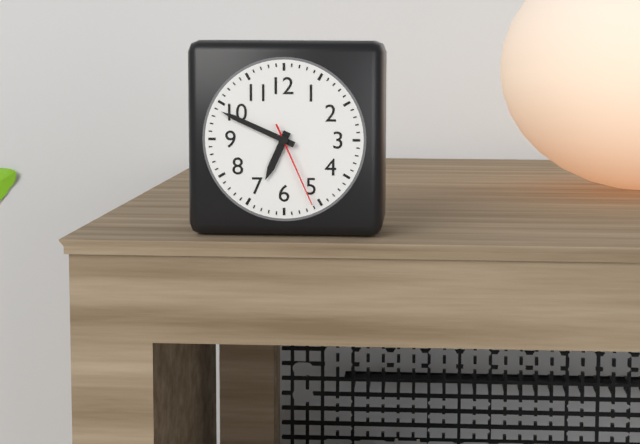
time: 6:49:26
